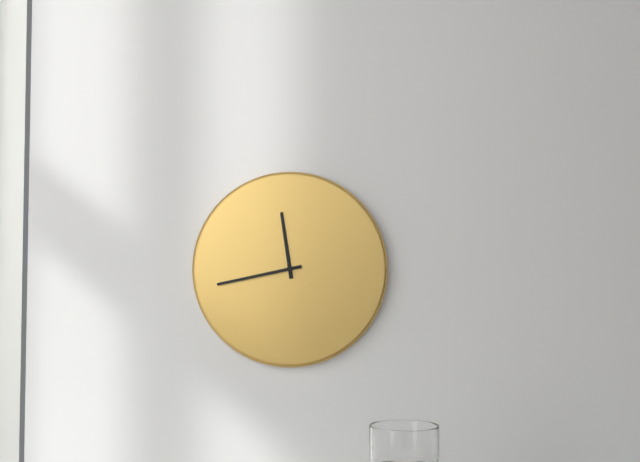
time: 11:43
